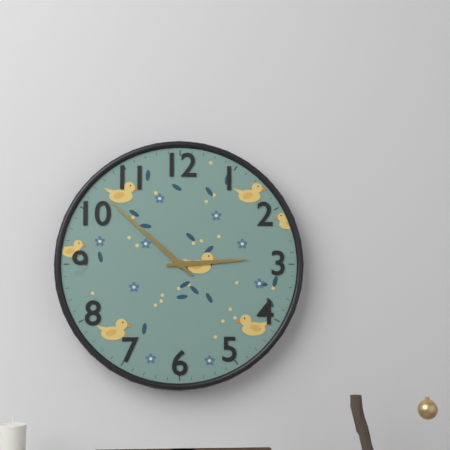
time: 2:52
